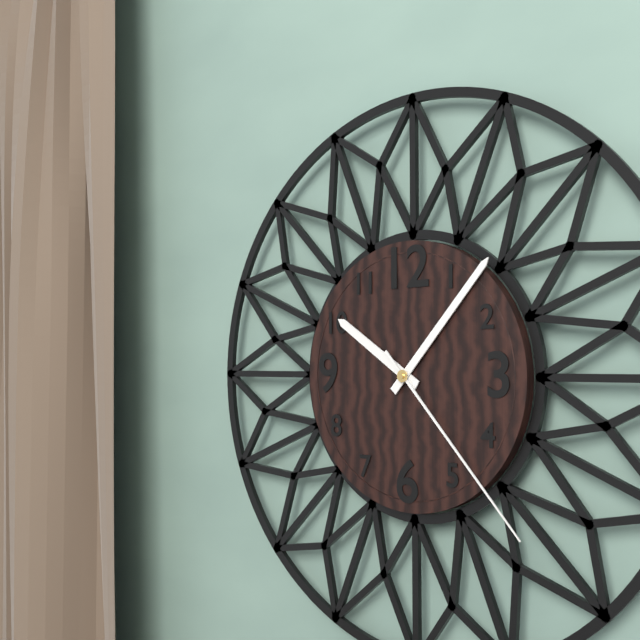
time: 10:07:23
